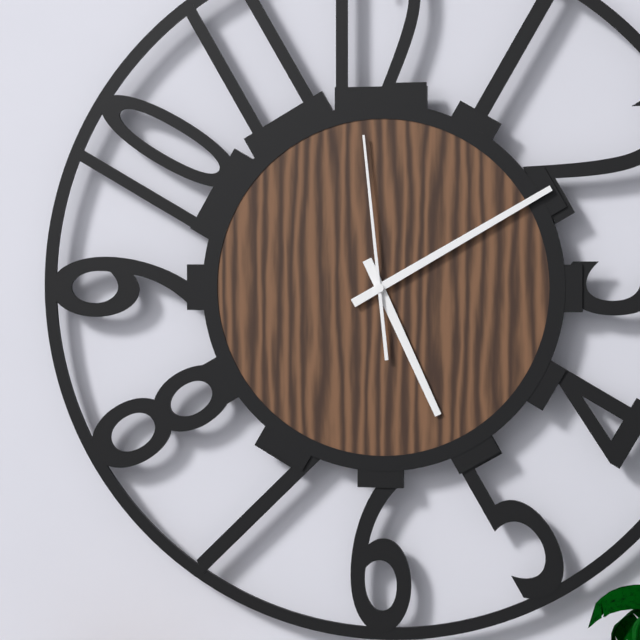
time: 5:10:59
